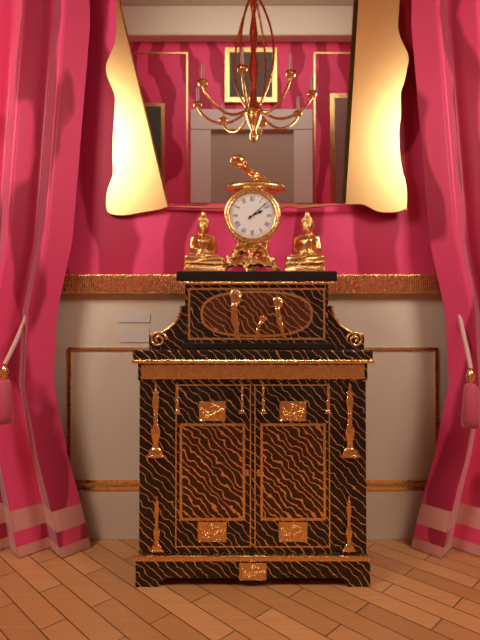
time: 2:08
